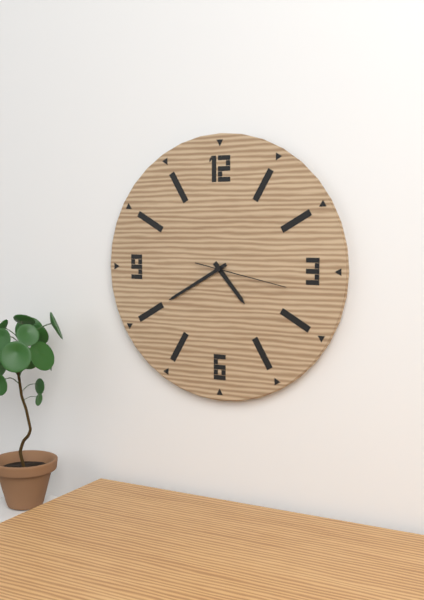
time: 4:40:17
